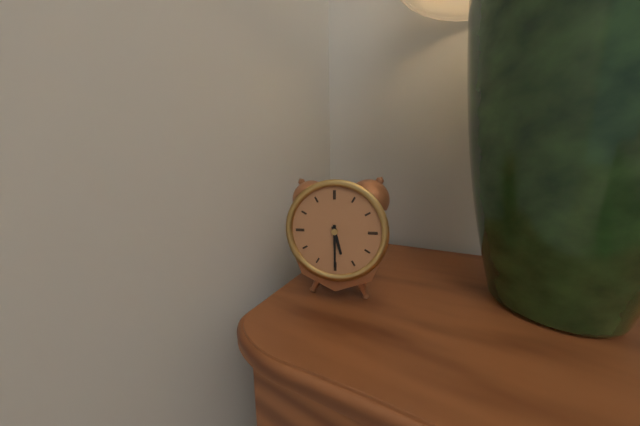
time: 5:30
